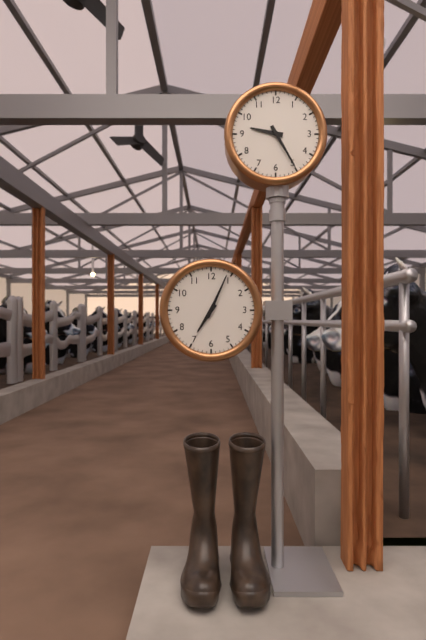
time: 9:25
